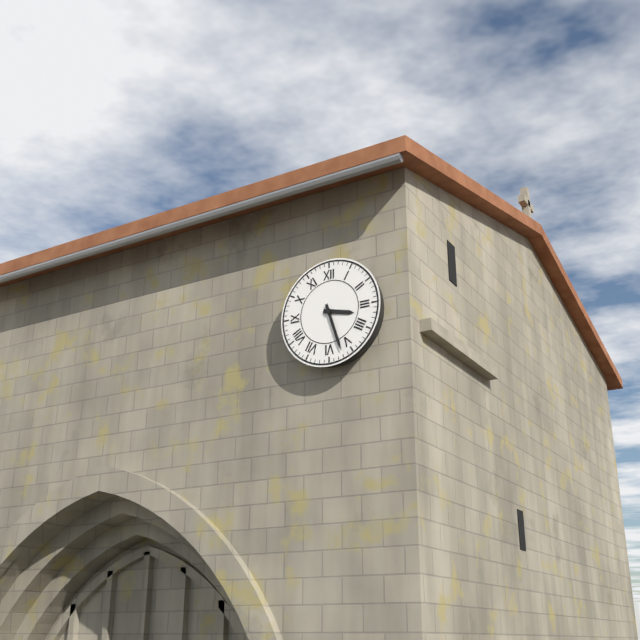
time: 3:27
